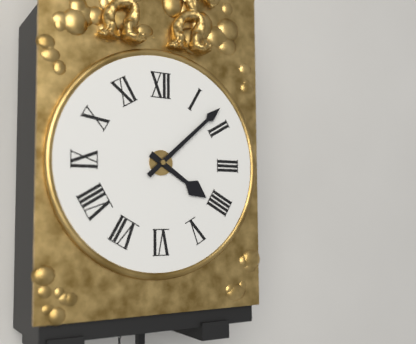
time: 4:08
